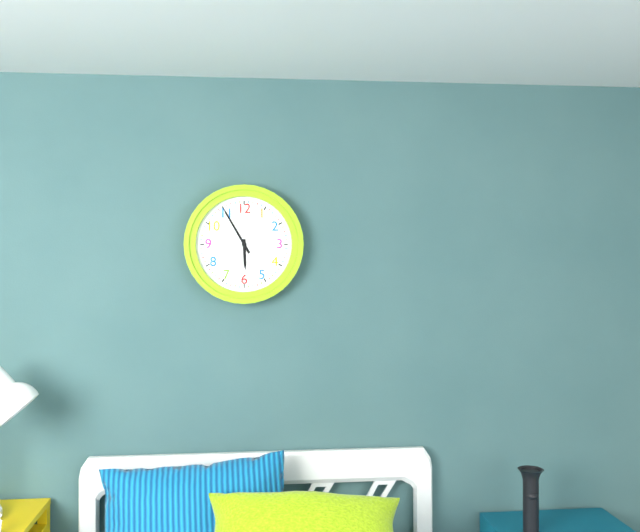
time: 5:55
